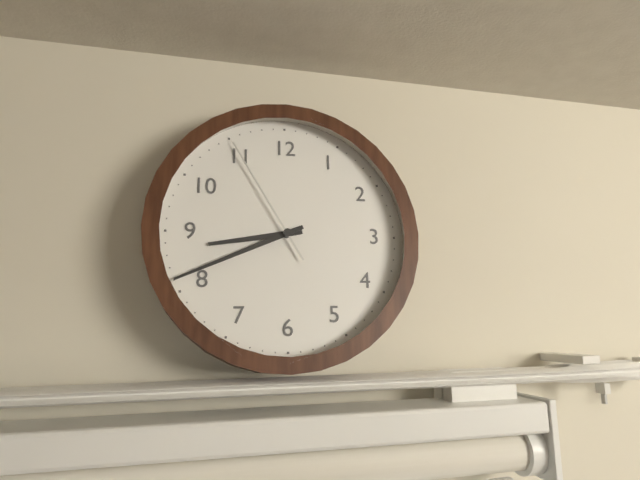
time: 8:41:55
